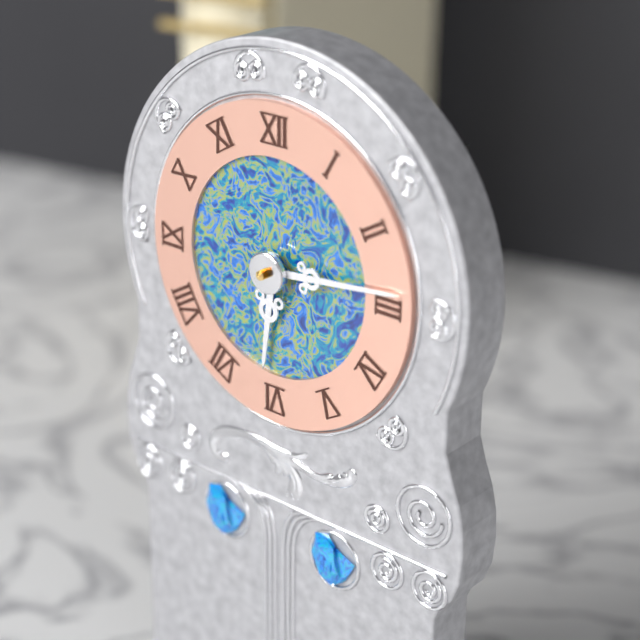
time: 6:14
